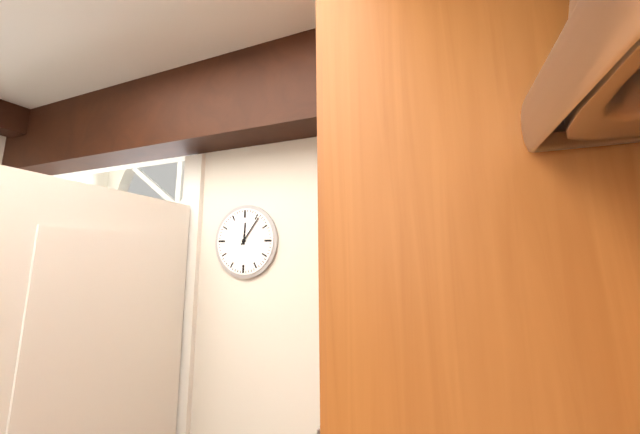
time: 12:06
